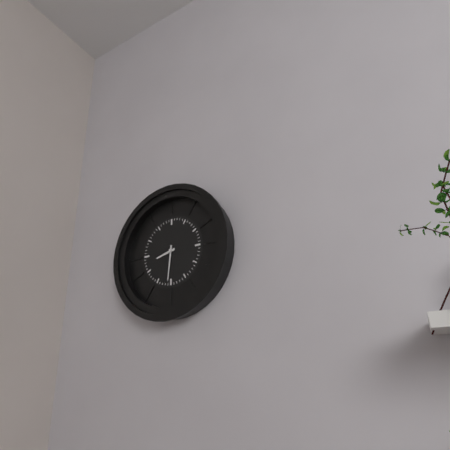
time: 8:31
